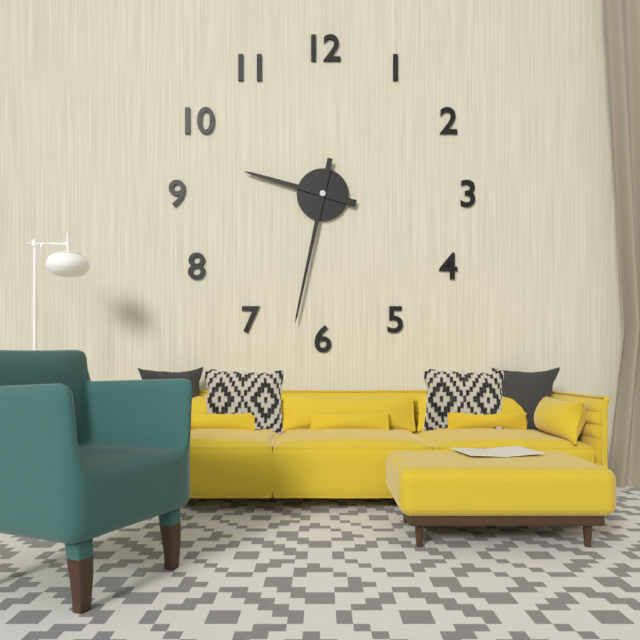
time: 9:32
